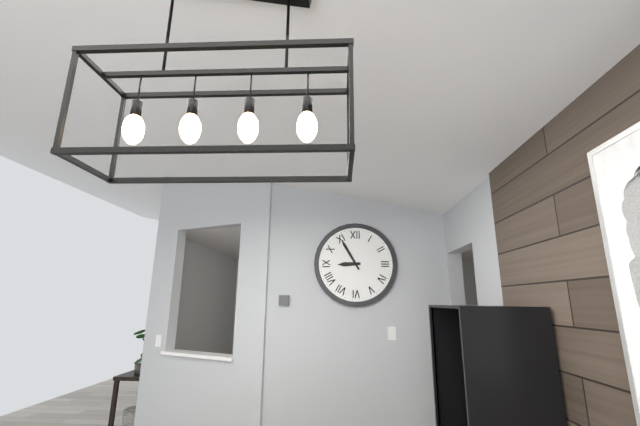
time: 8:55
